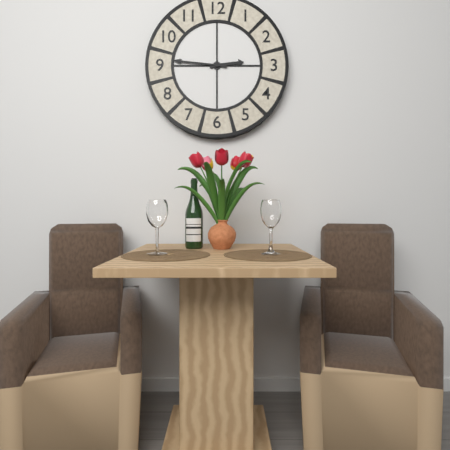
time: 2:46
